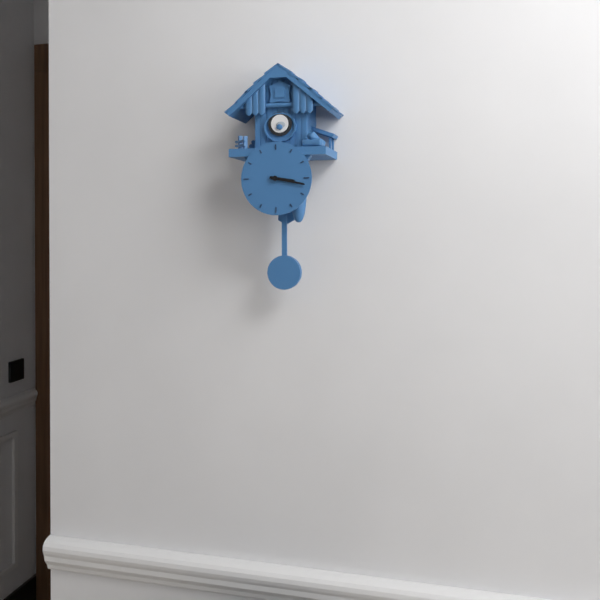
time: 3:17
